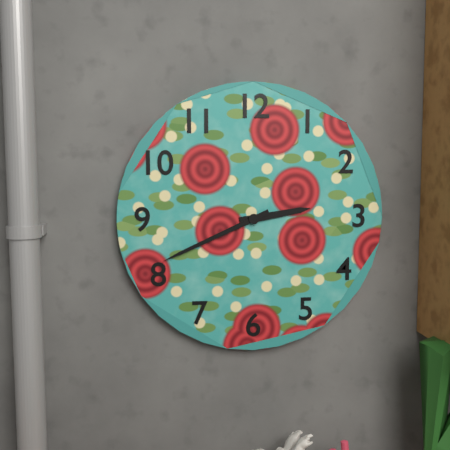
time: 2:41
